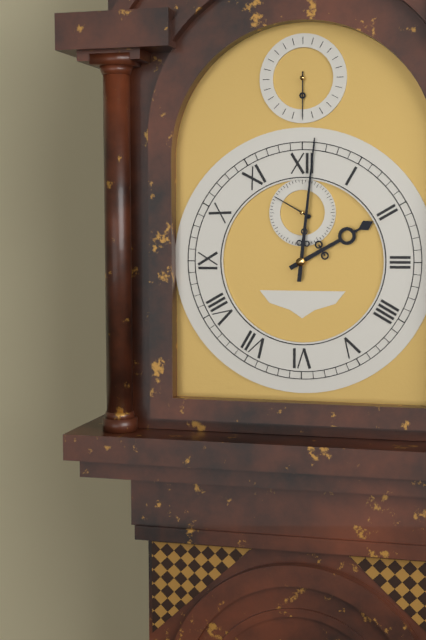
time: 2:01
